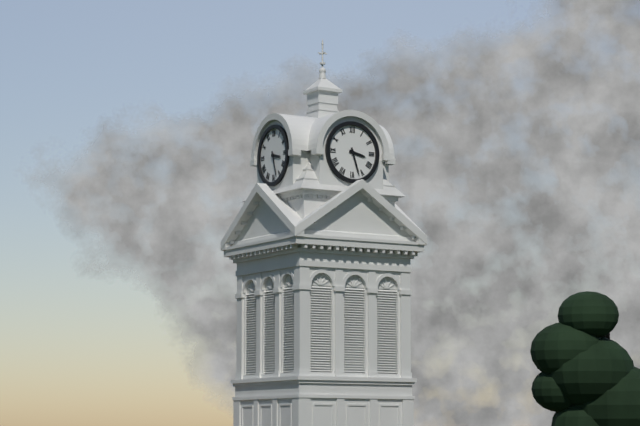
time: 3:27
